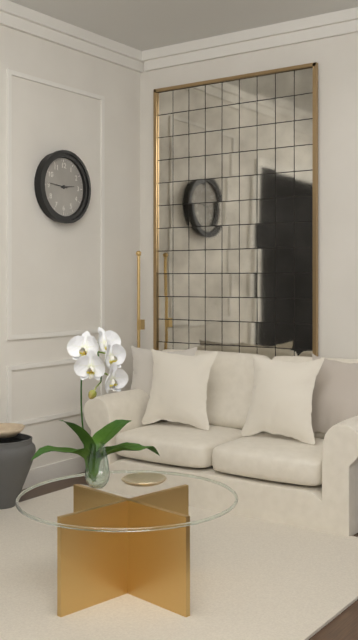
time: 2:46
